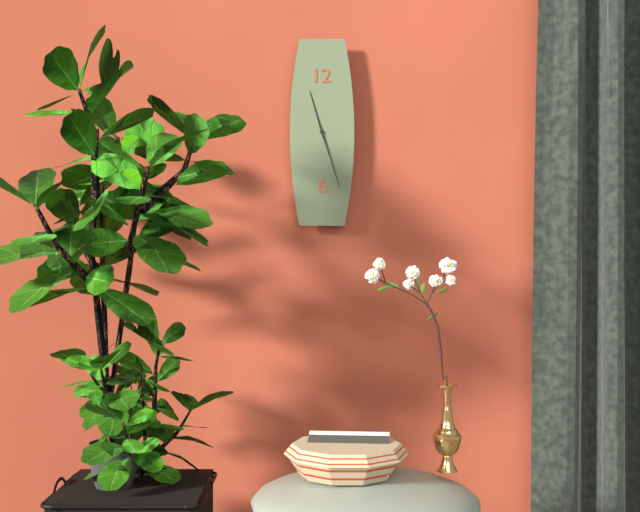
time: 11:27
